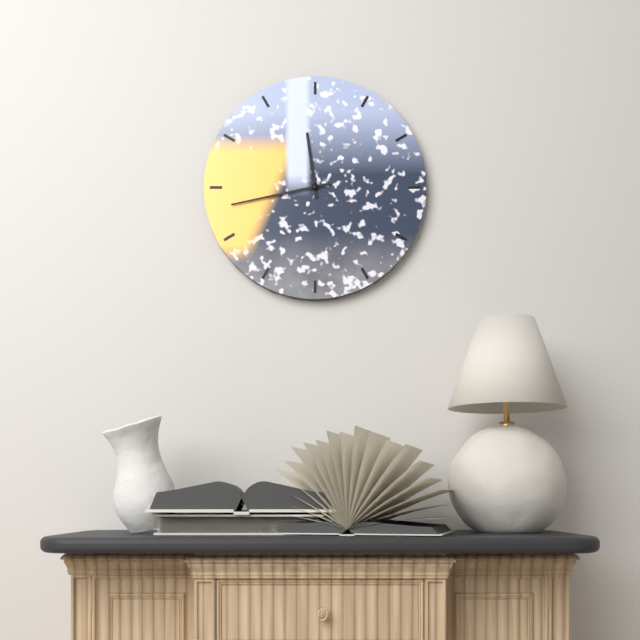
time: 11:43
